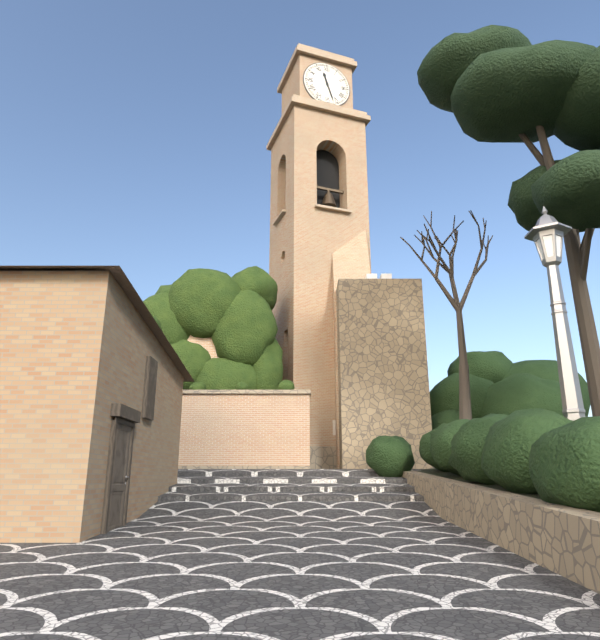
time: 11:27
